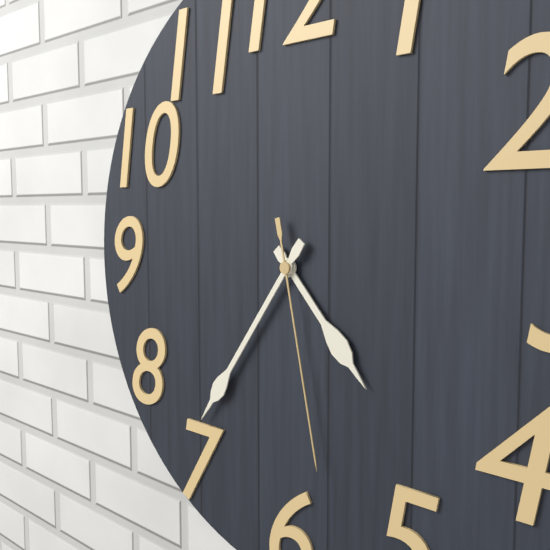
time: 4:36:28
